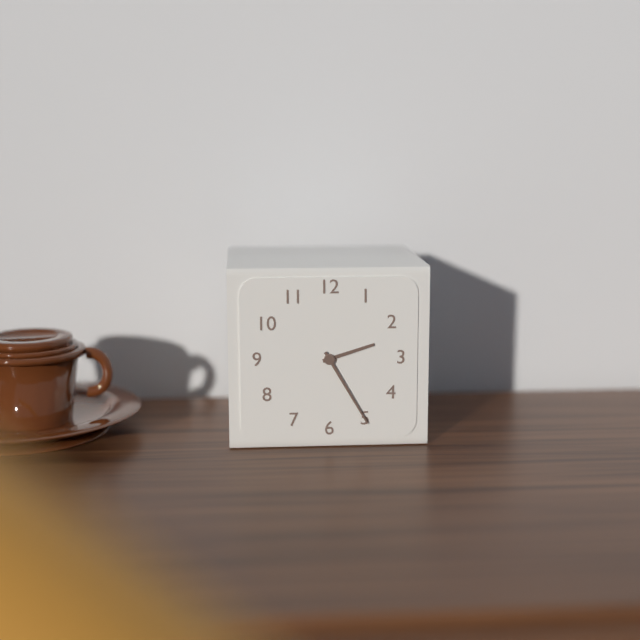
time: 2:25
